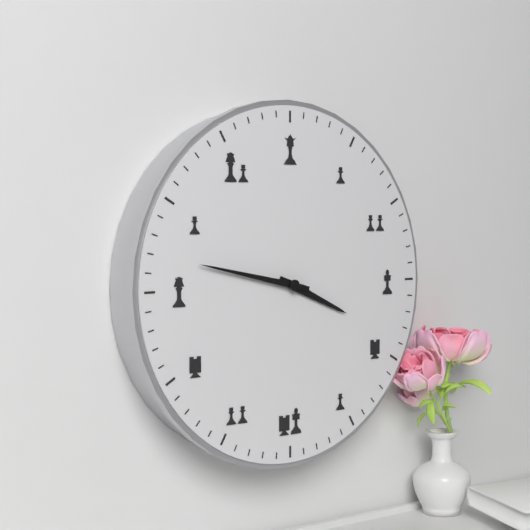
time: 3:47
